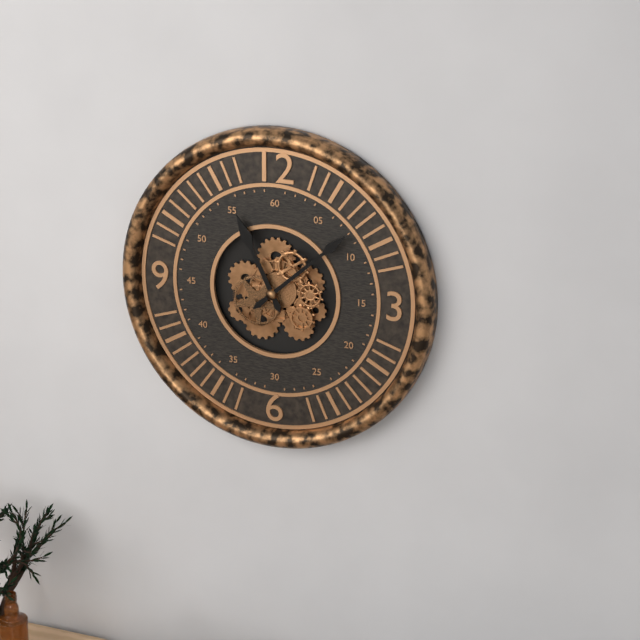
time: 11:08
